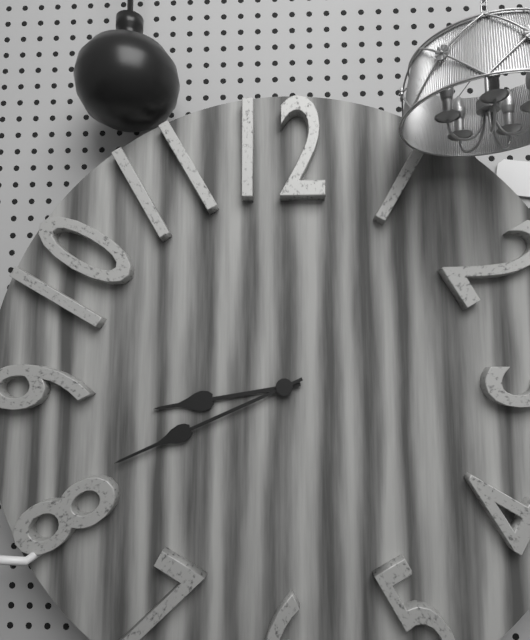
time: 8:41
